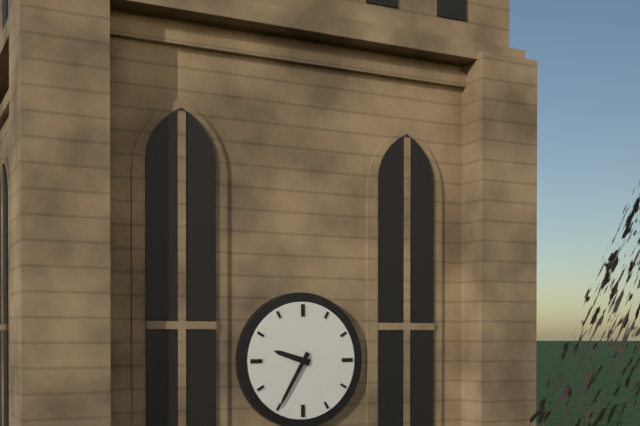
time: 9:35
